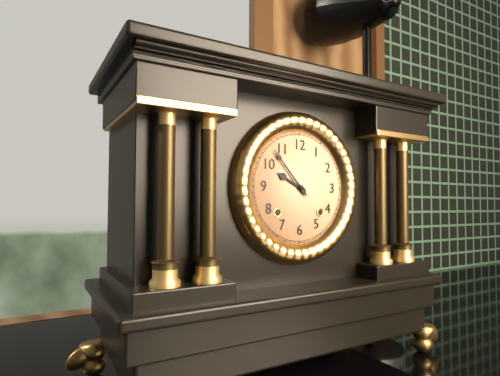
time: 9:53
